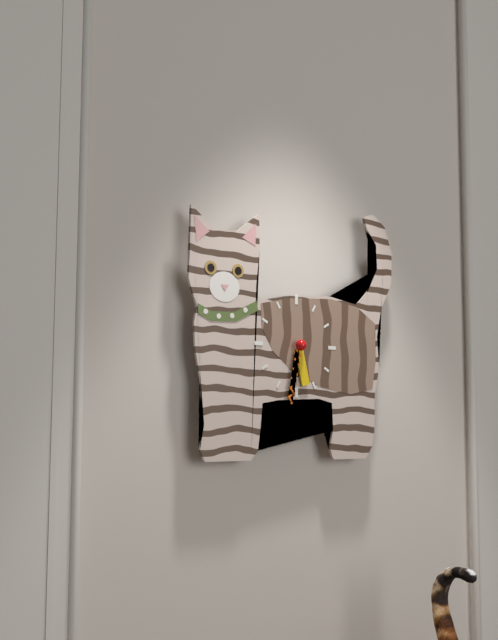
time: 5:32
